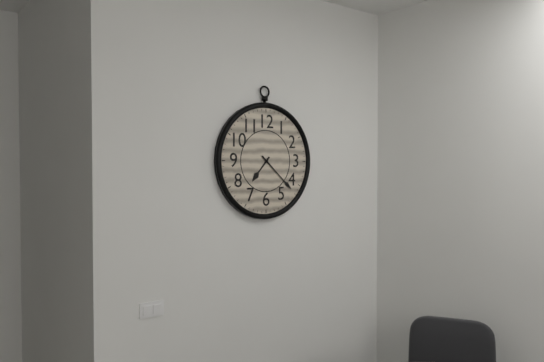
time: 7:22
